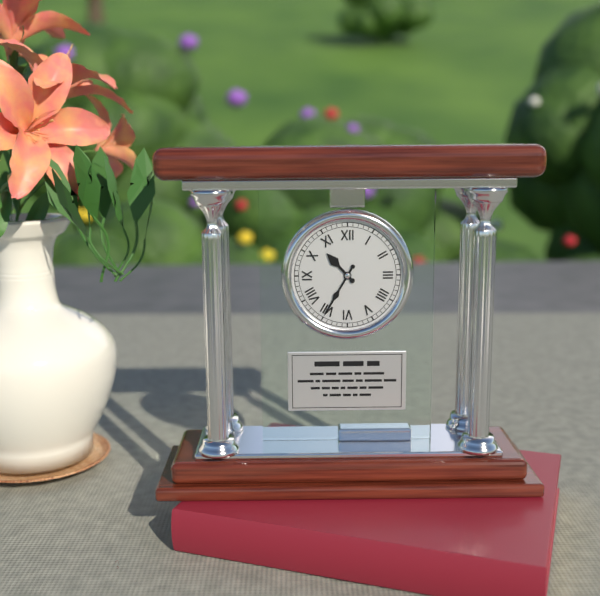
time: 10:35
